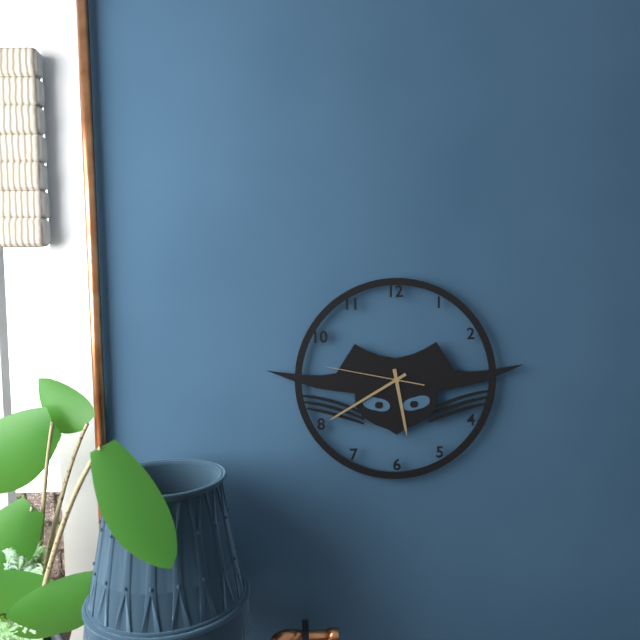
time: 5:40:47
